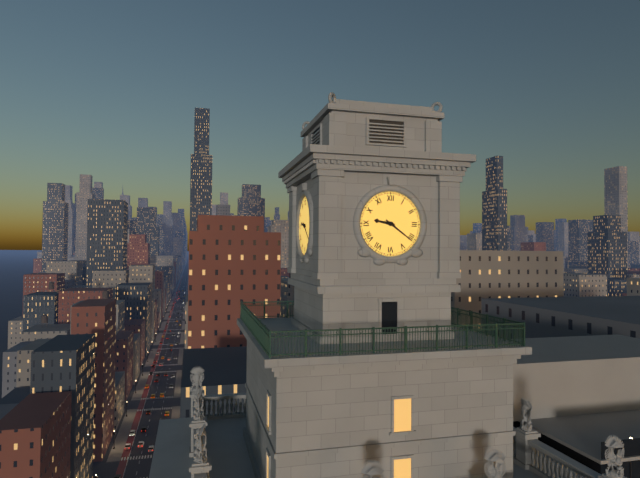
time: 9:21
